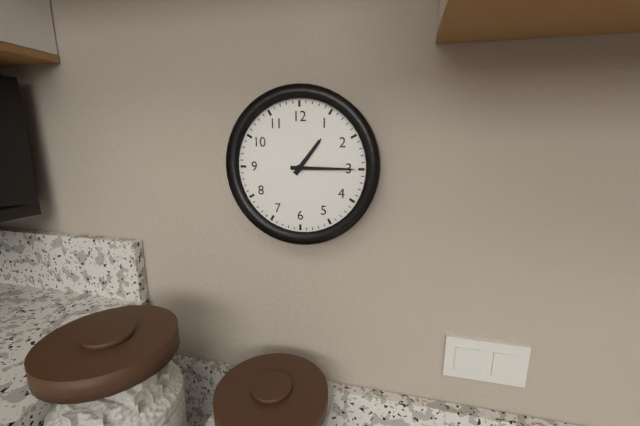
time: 1:15
